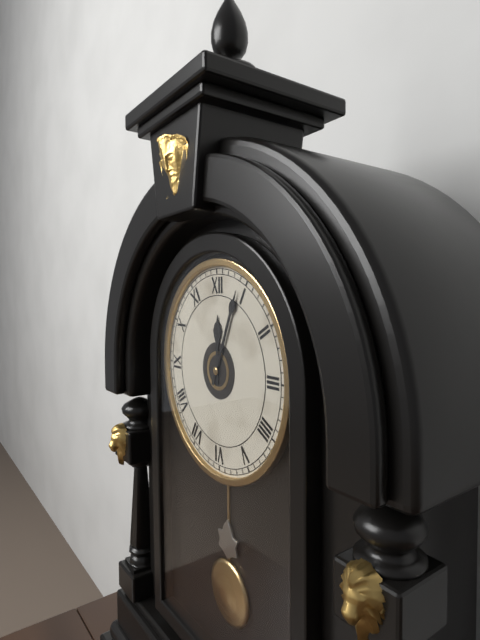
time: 12:04
